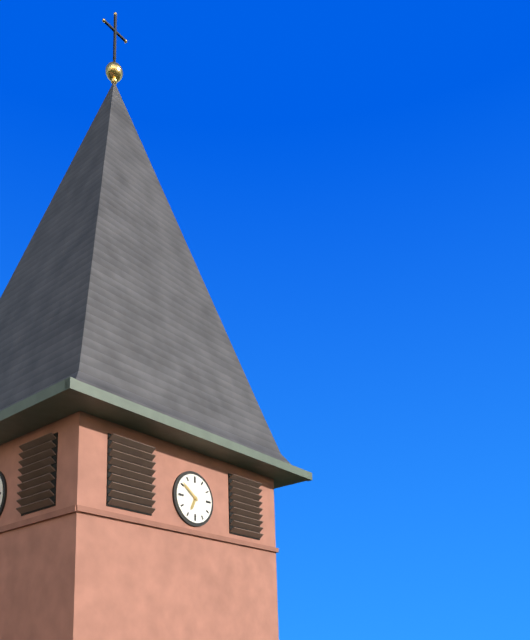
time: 6:51
